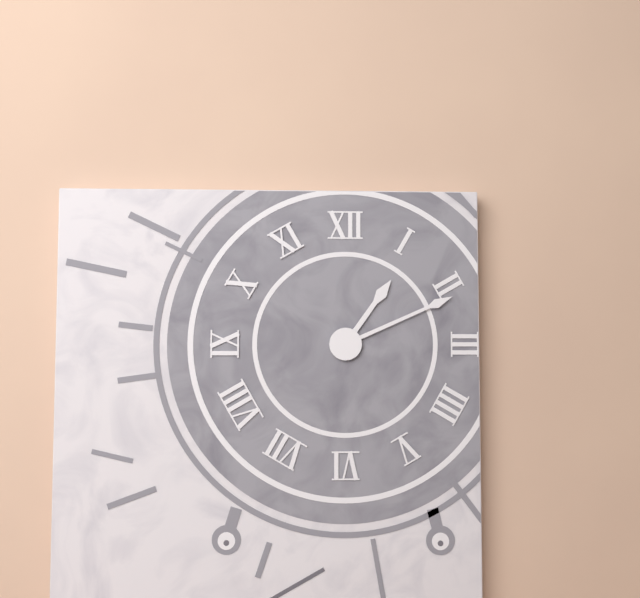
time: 1:11
